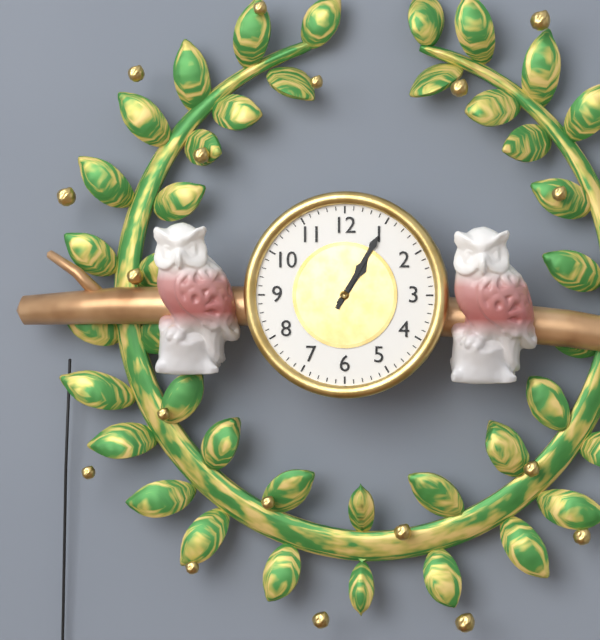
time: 1:05
